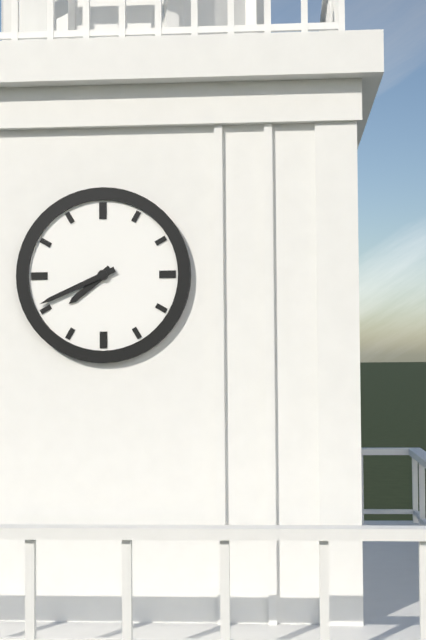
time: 7:41
